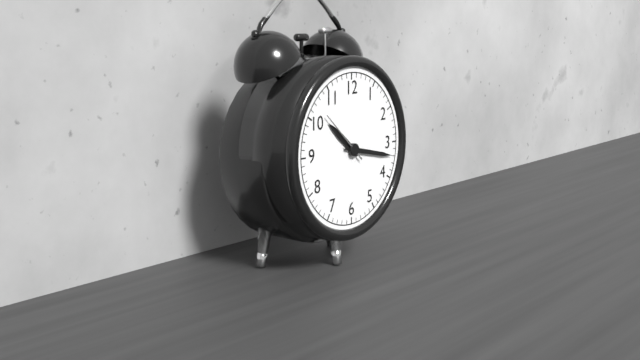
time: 10:17:52
